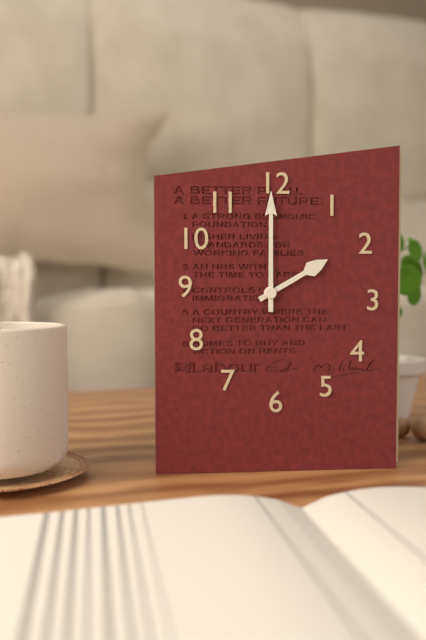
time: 2:00
